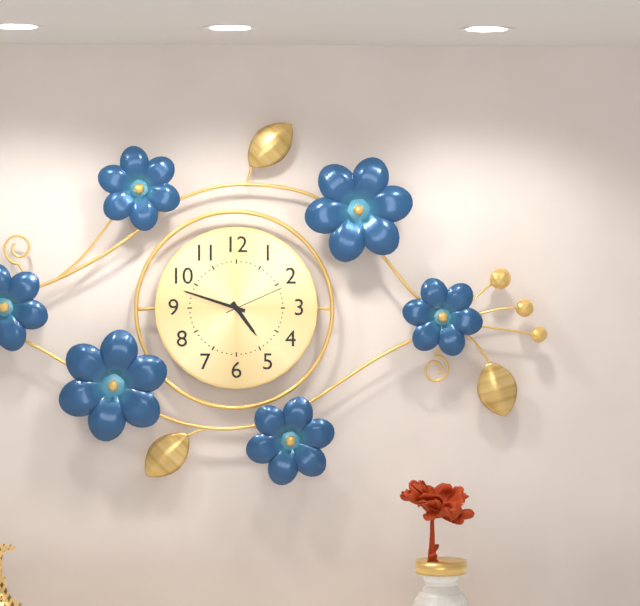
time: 4:48:11
